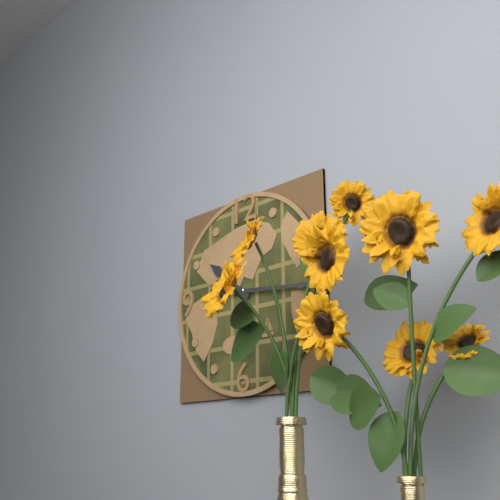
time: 10:16
